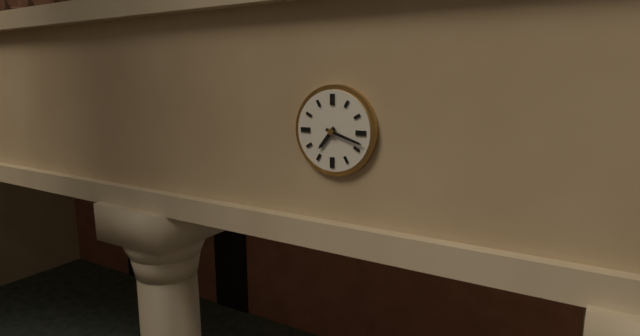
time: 7:18
